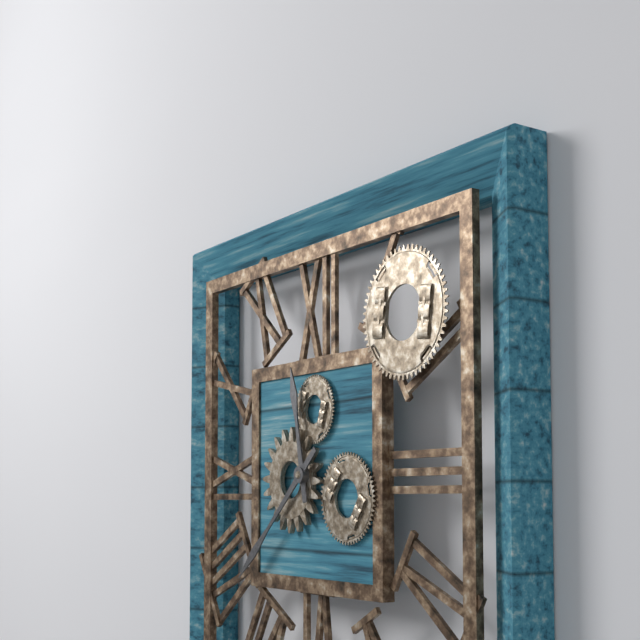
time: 11:38
